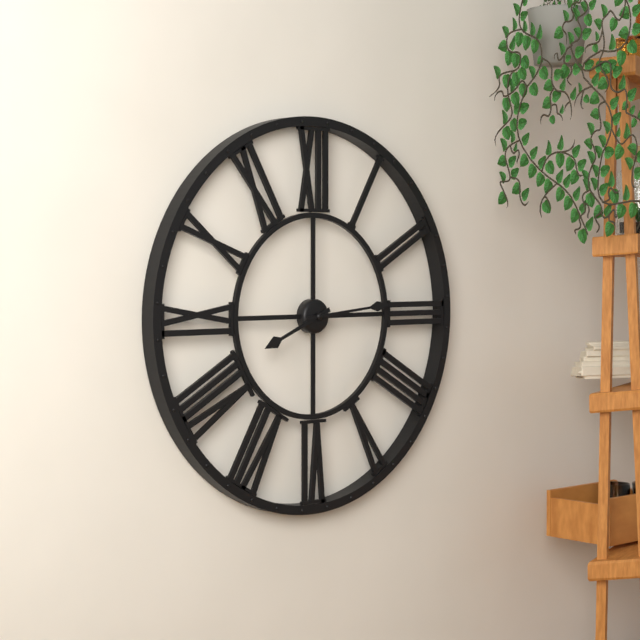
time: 8:14
